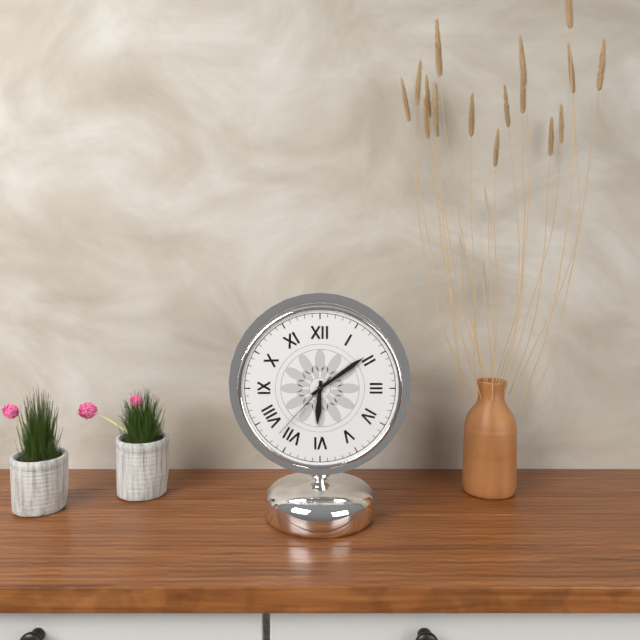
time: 6:09:37
